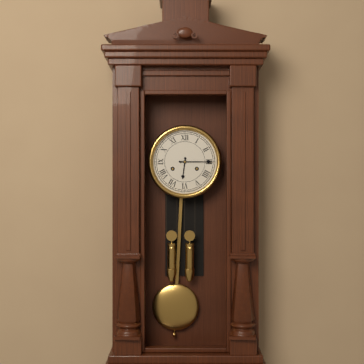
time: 6:15
